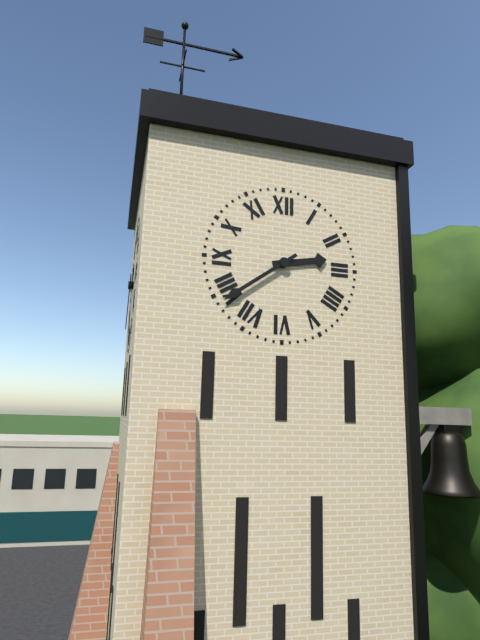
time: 2:39
